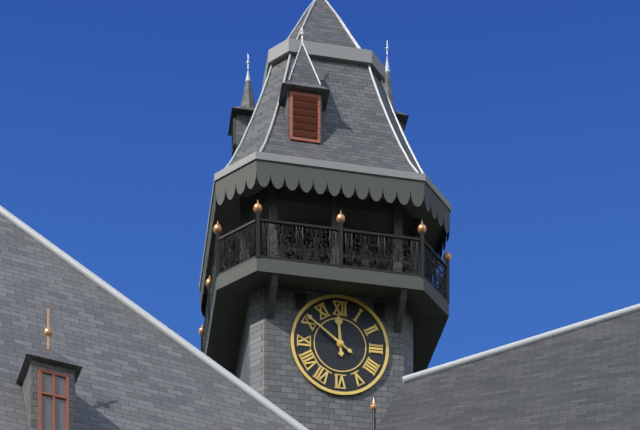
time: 11:51
